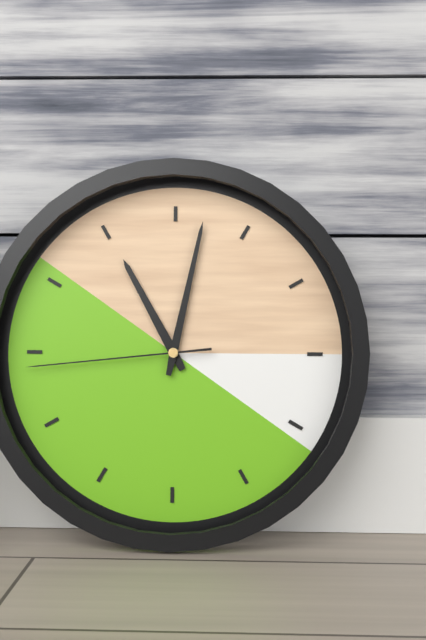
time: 11:02:44
